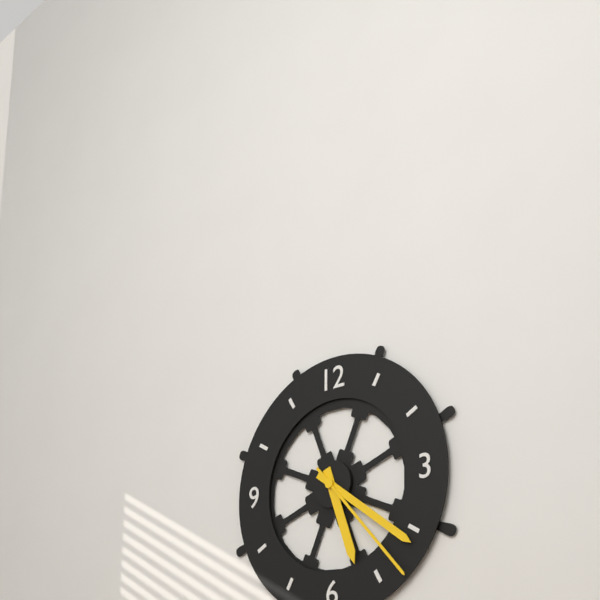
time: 5:21:23
